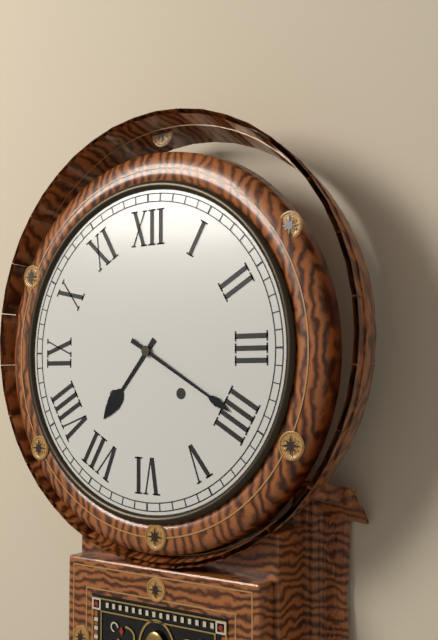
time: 7:20
